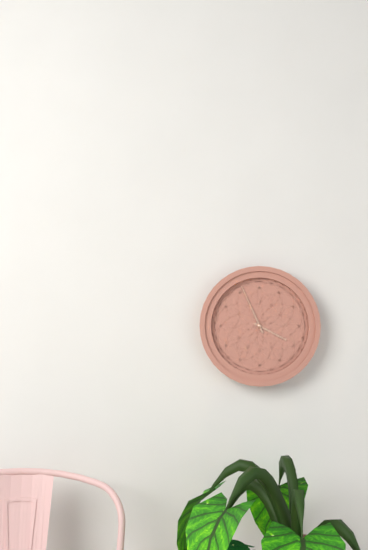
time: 3:56
